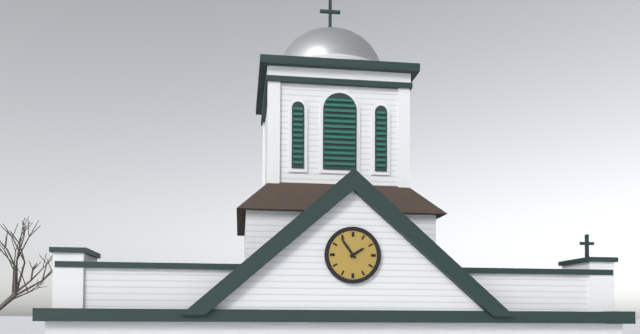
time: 1:54
